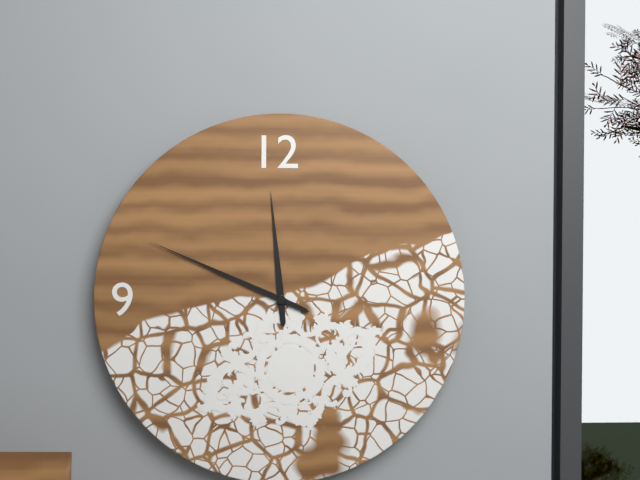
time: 11:49
